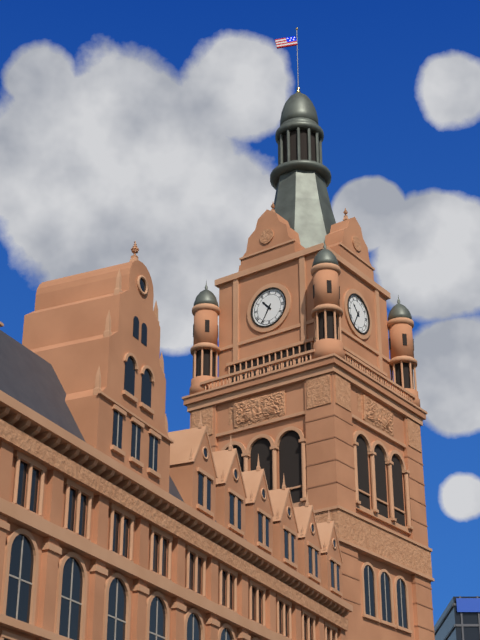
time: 10:35
